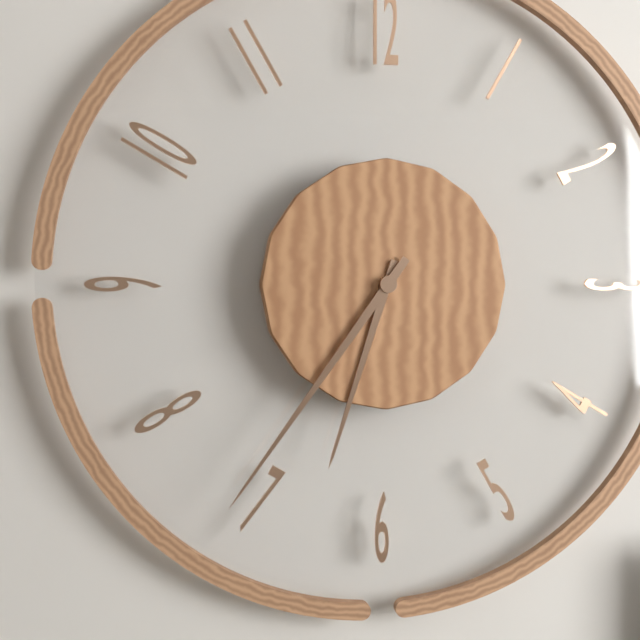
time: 6:36
